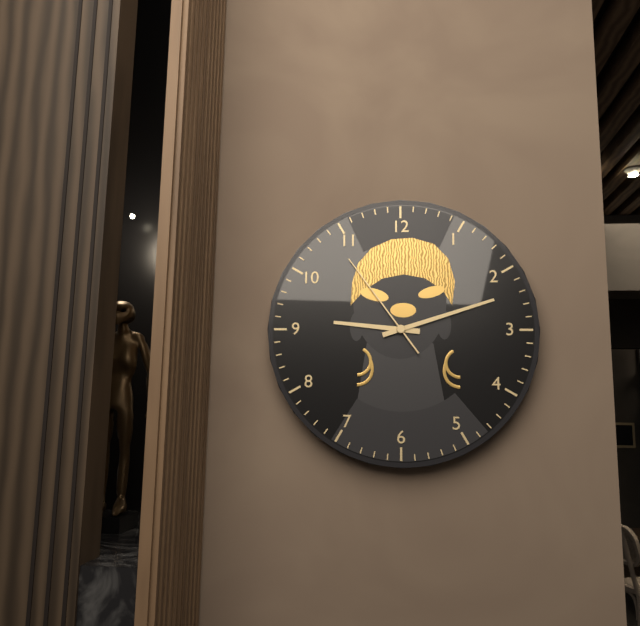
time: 9:12:54
